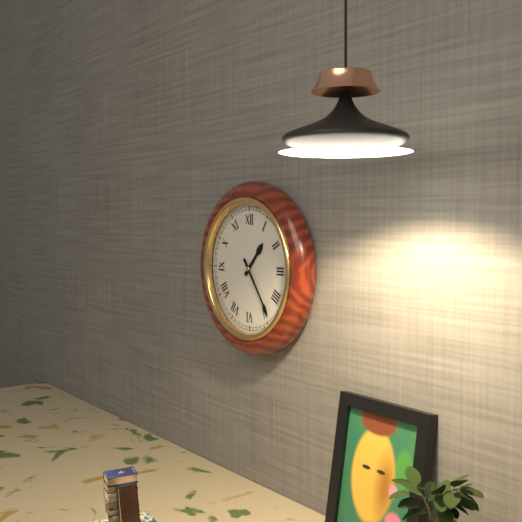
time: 1:24
